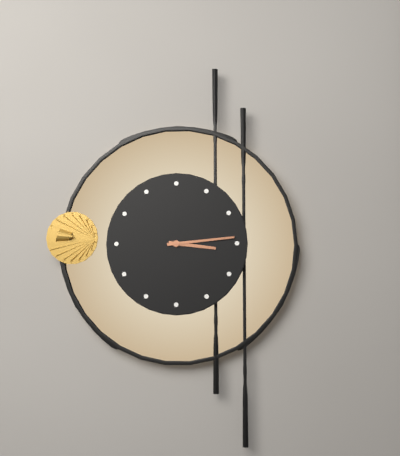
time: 3:14
